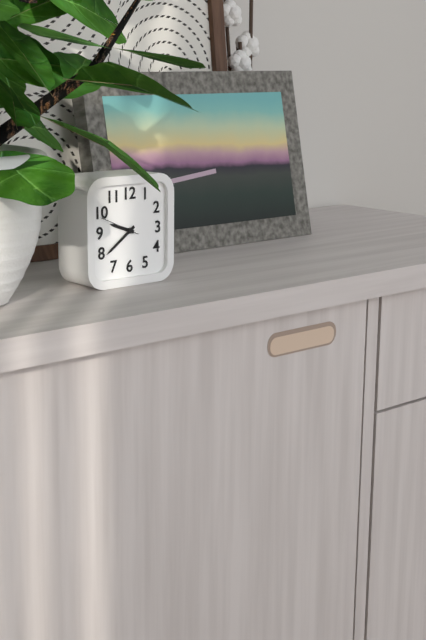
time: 9:39
